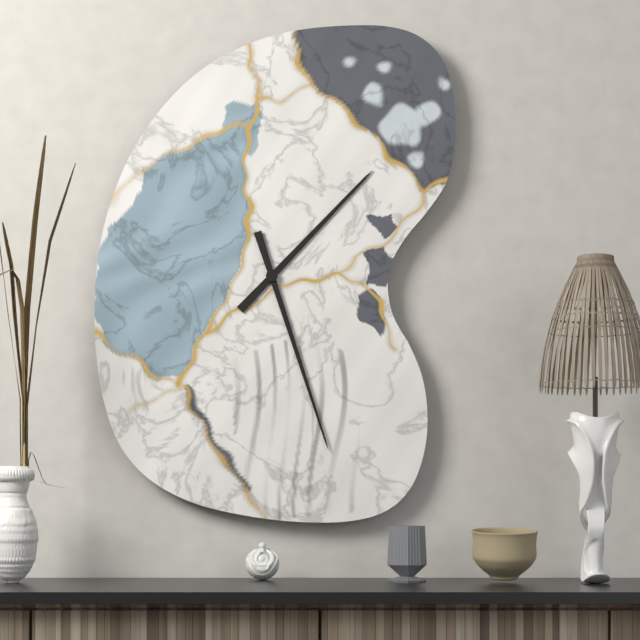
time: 1:27
